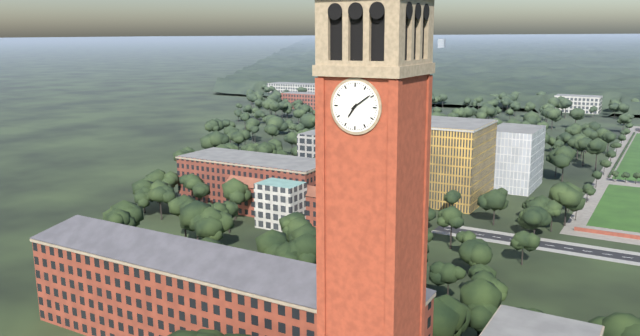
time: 7:09
